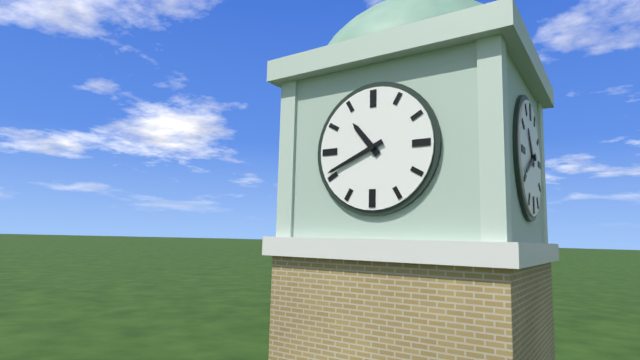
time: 10:41
